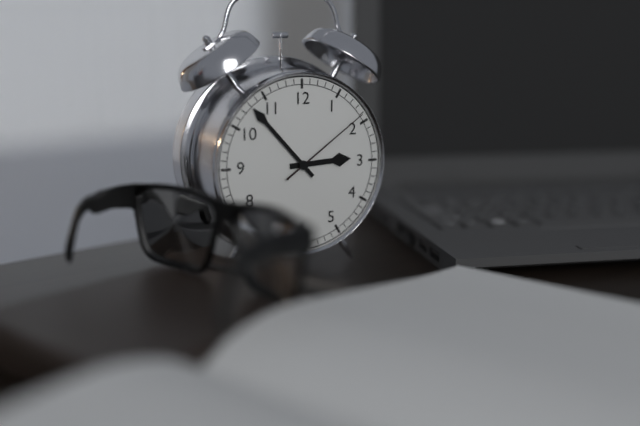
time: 2:53:09
